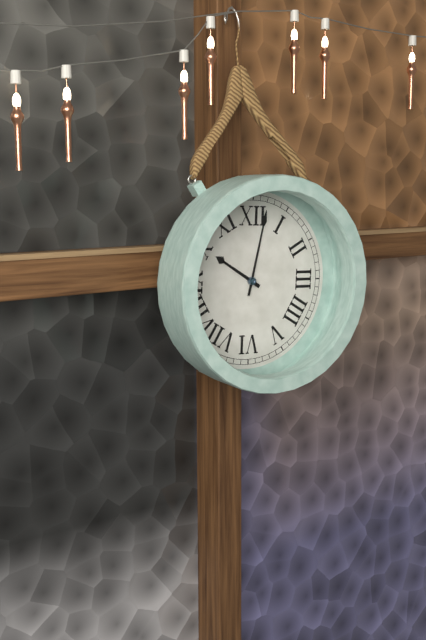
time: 10:02
